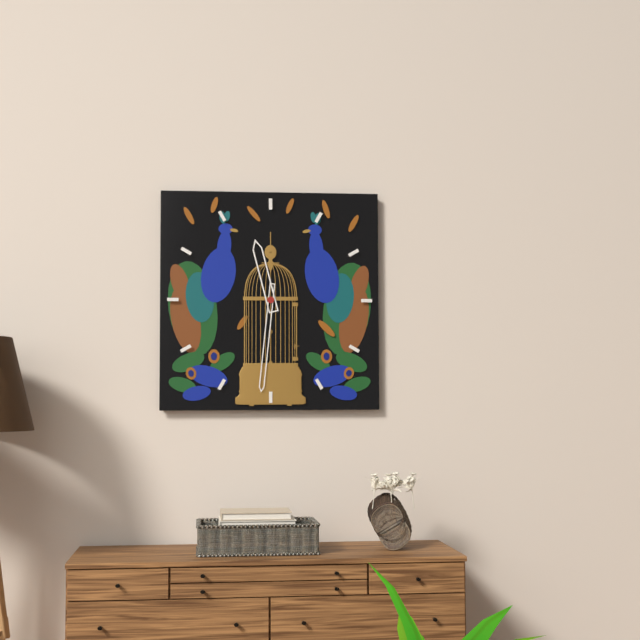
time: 11:31
